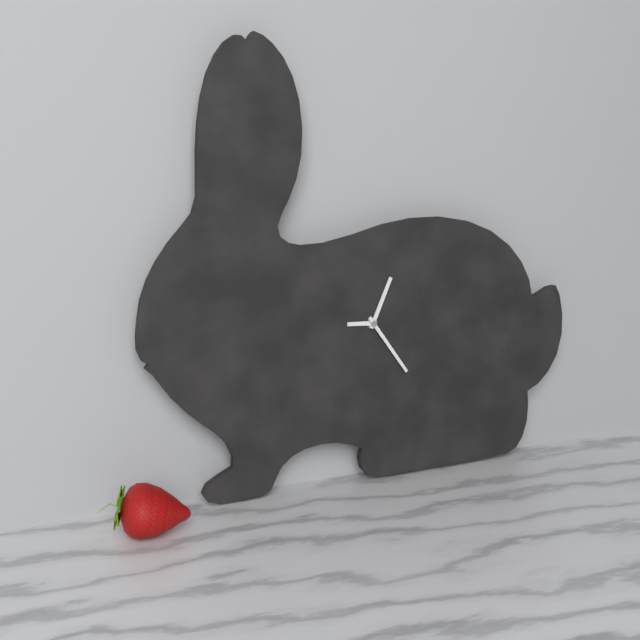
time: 9:04:24
